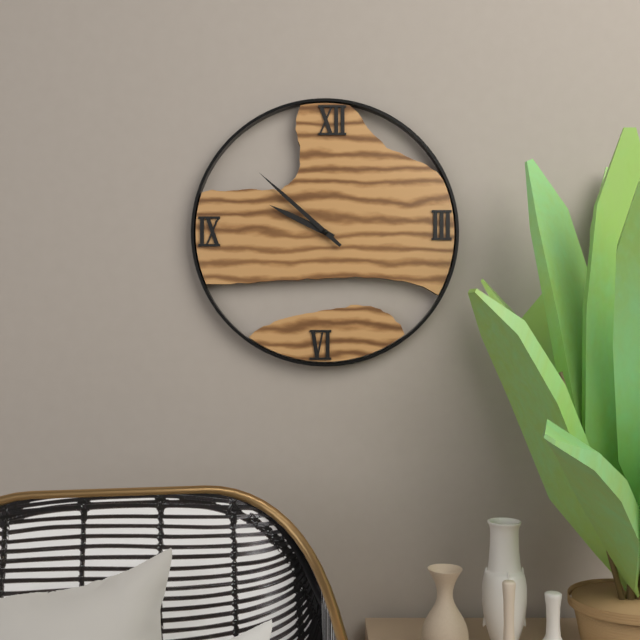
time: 9:52
